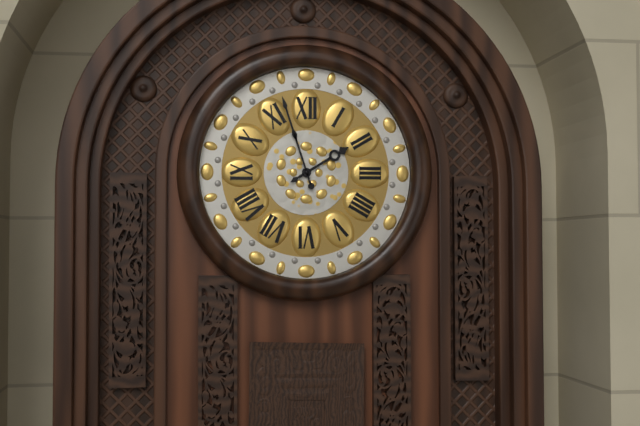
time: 1:57
